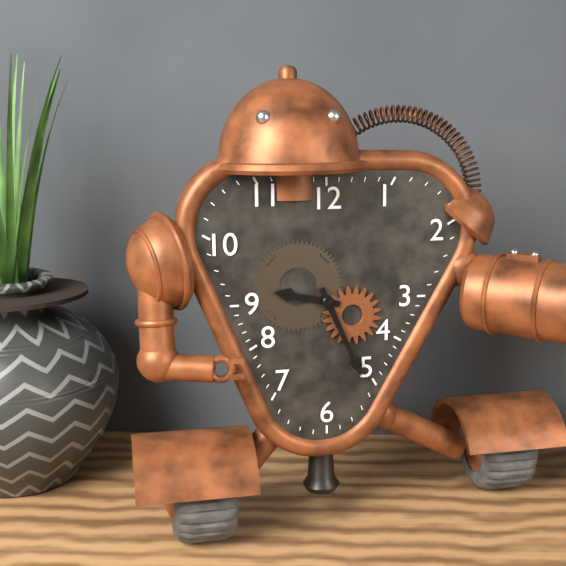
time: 9:26
